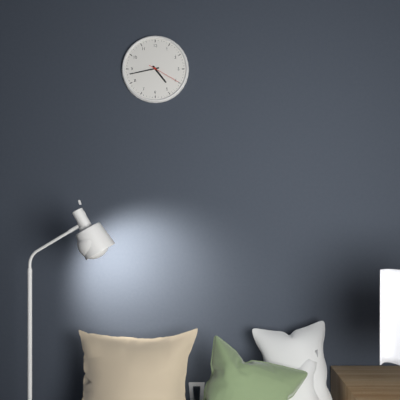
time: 4:43
